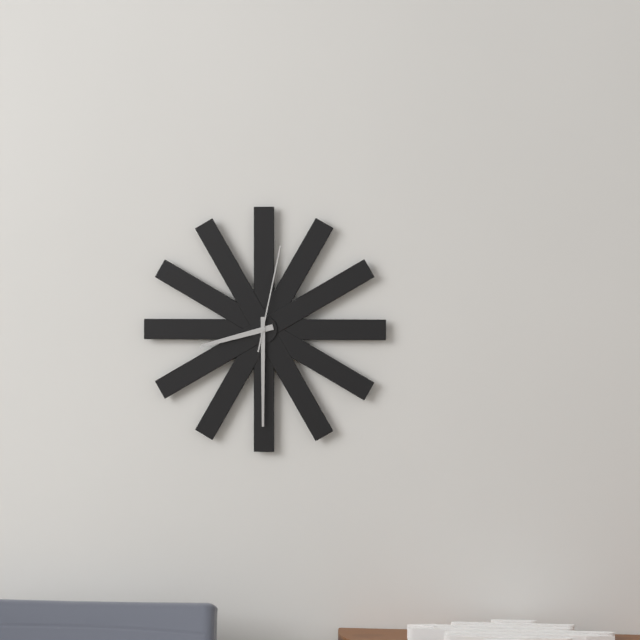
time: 8:30:02
